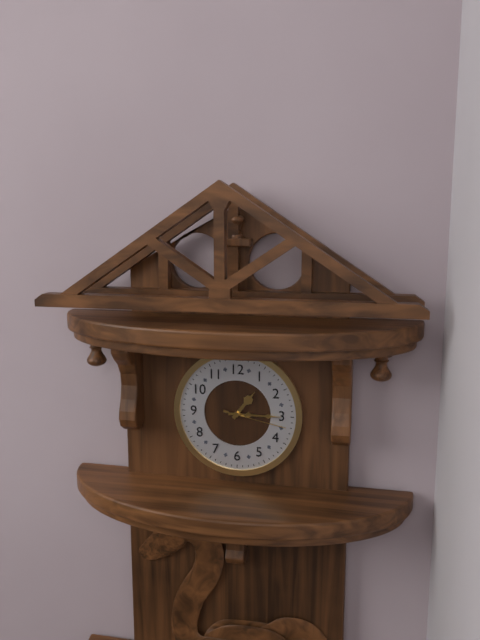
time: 1:15:17
